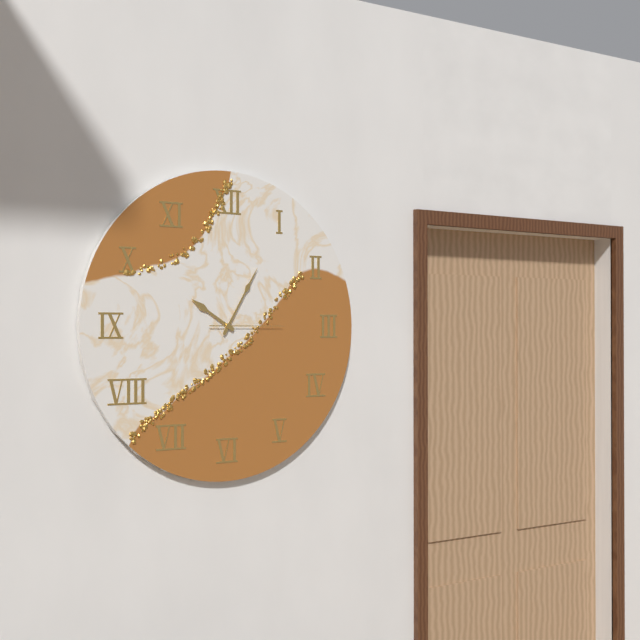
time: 10:05:15
